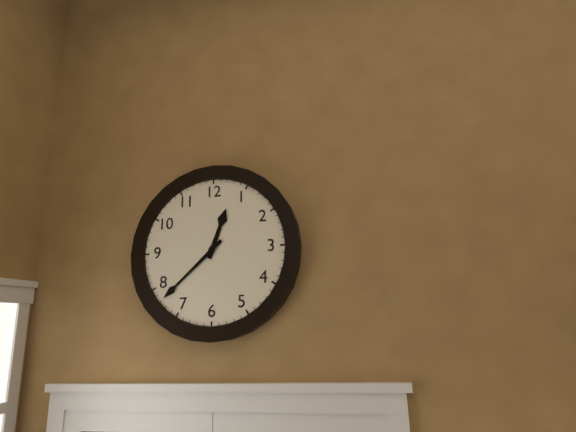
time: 12:38
